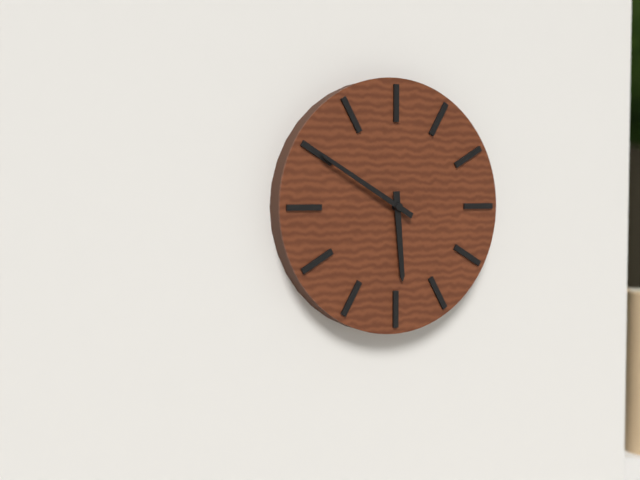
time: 5:50
